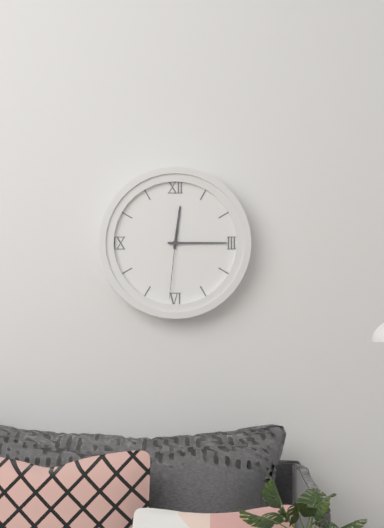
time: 12:15:31
